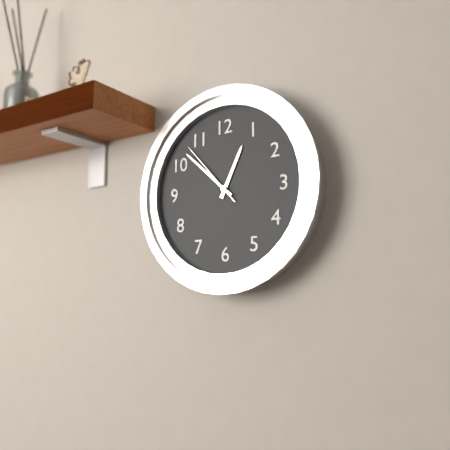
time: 12:52:53
